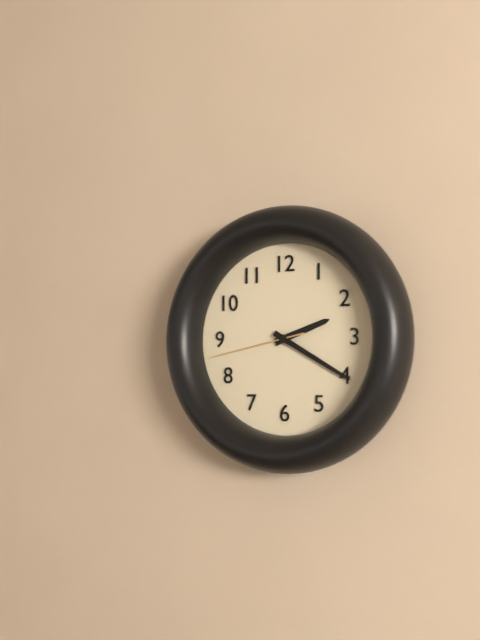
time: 2:20:43
